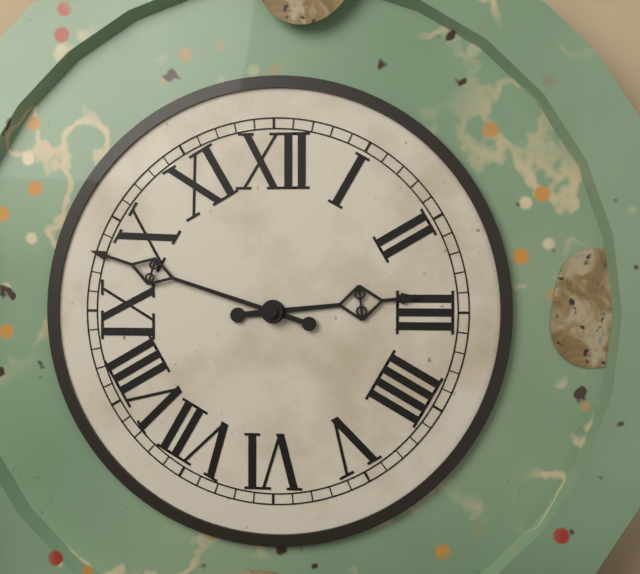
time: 2:48
